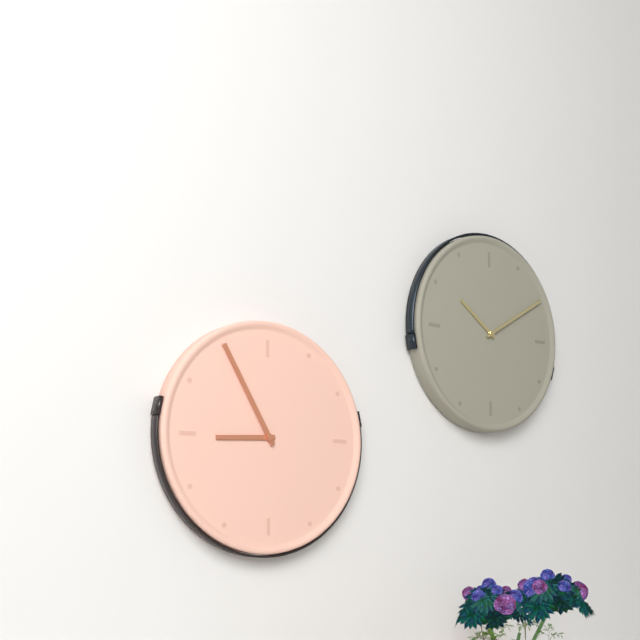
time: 8:55
